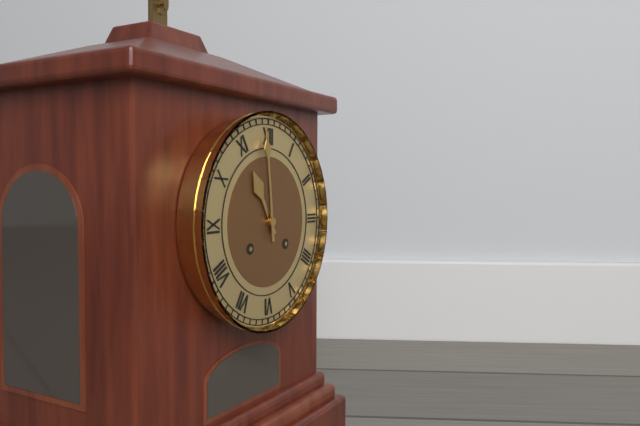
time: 10:59
